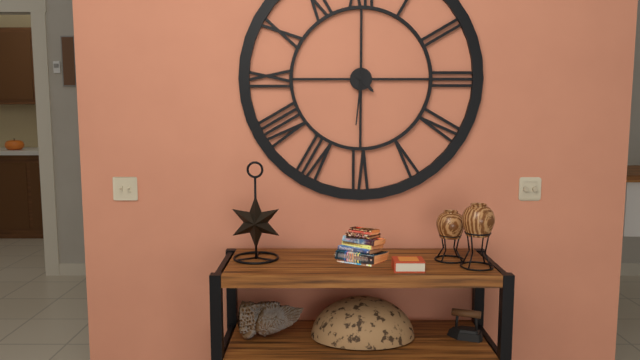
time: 4:31
